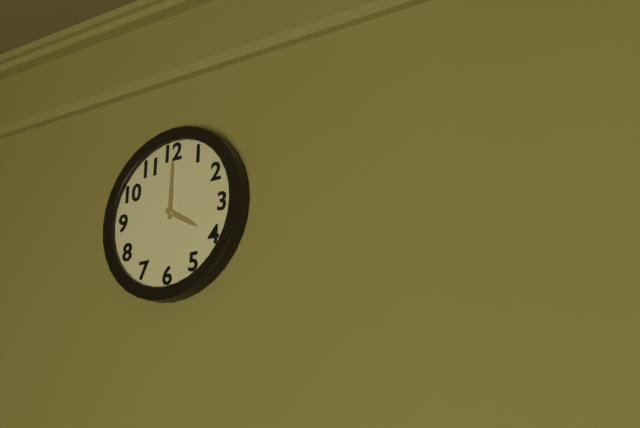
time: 4:00
